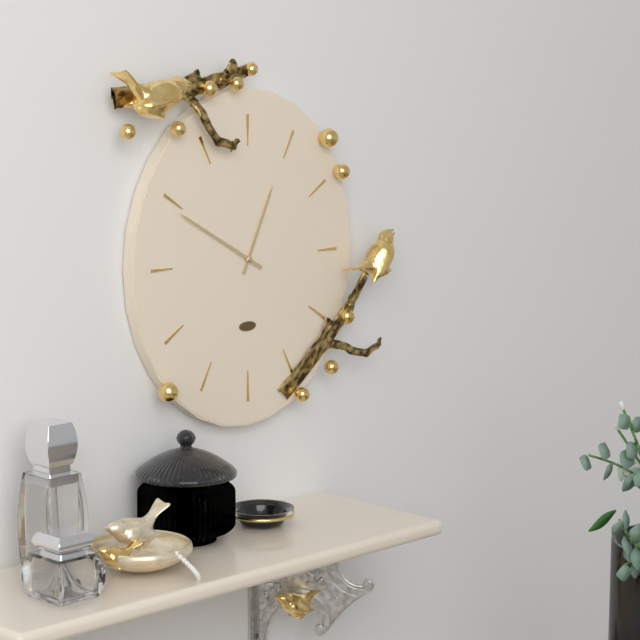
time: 12:50
